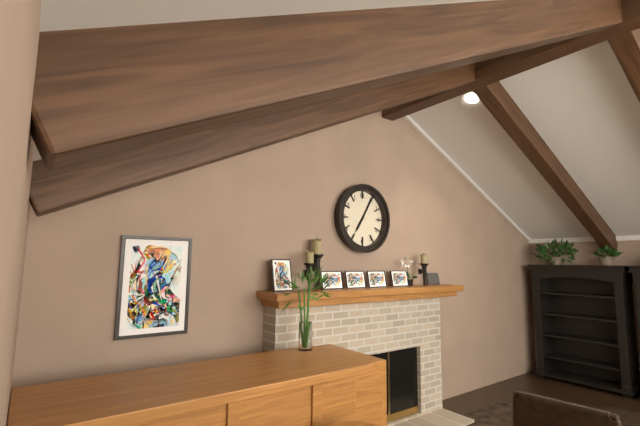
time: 7:05
